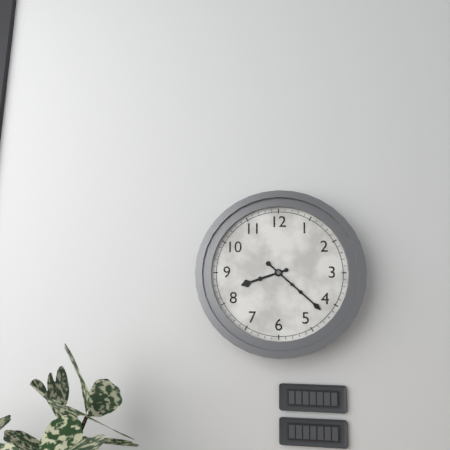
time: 8:22
